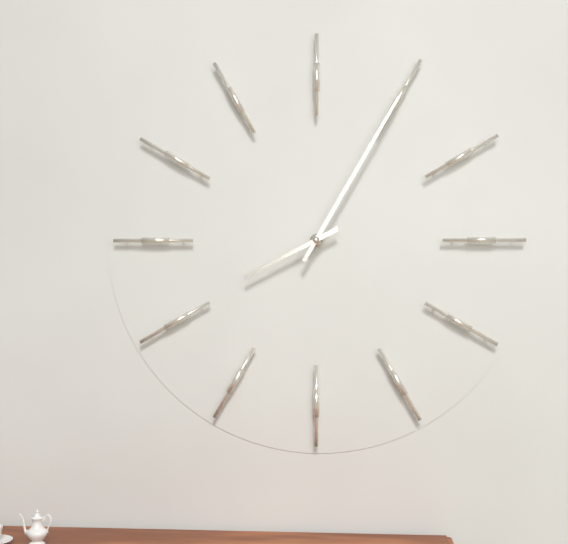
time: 8:05
